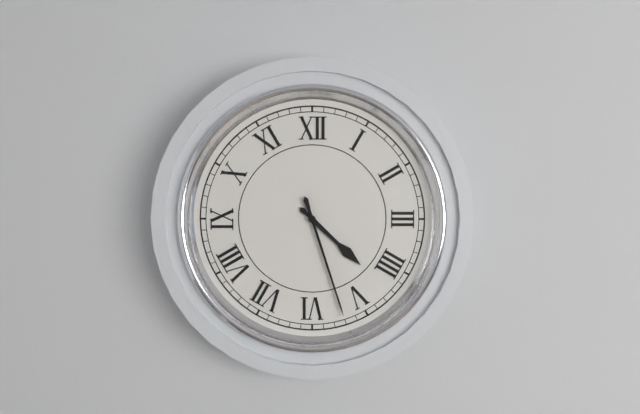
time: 4:27
